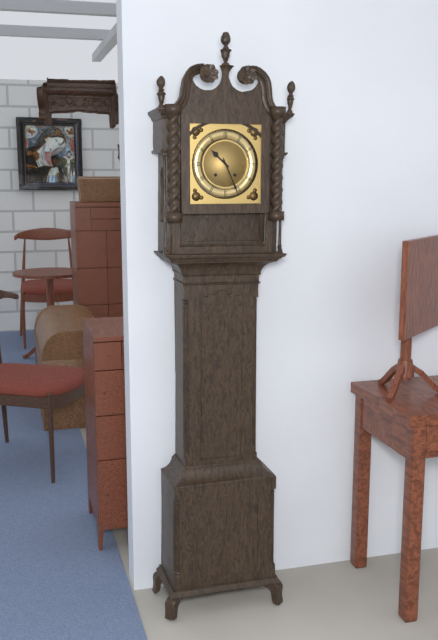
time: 10:26
